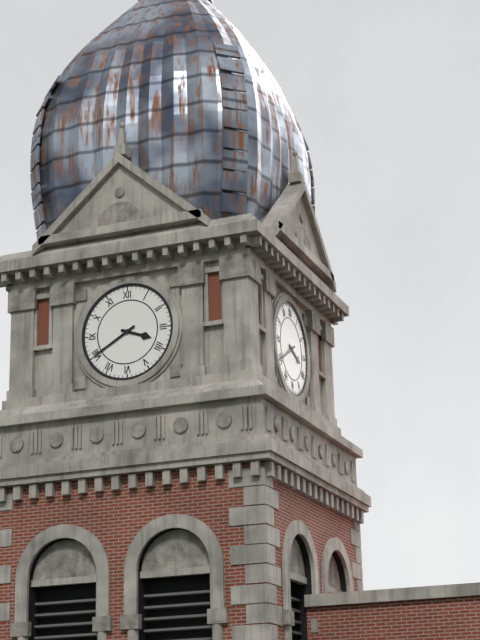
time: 3:40
